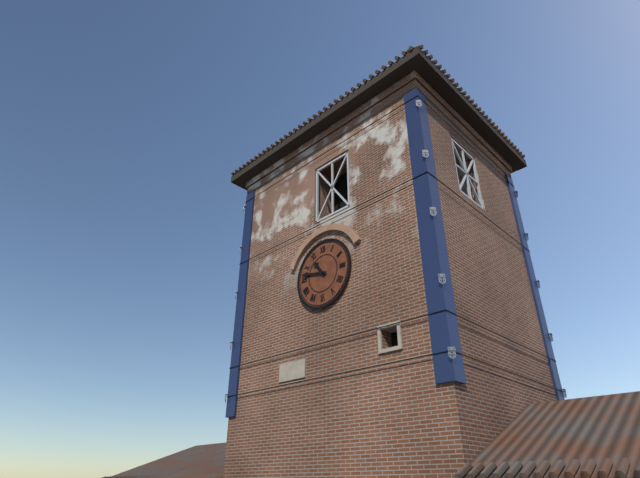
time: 10:47
